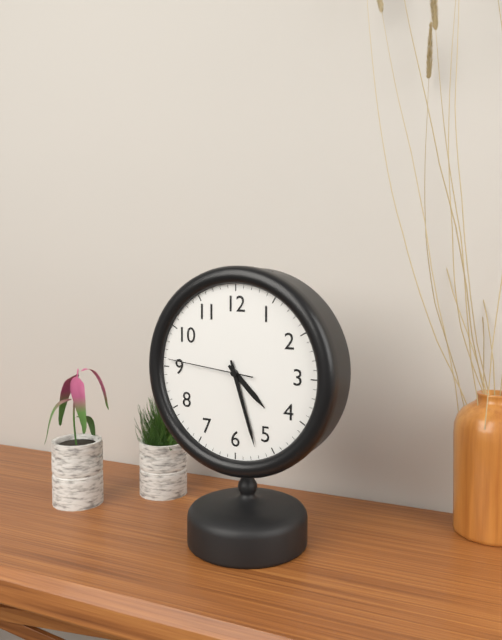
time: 4:27:46
